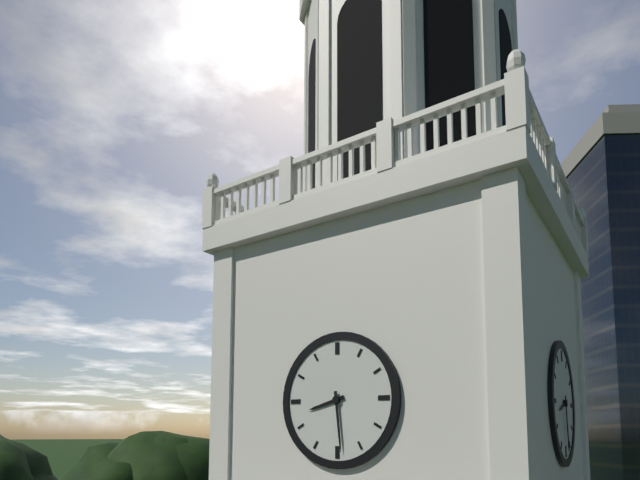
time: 8:29
